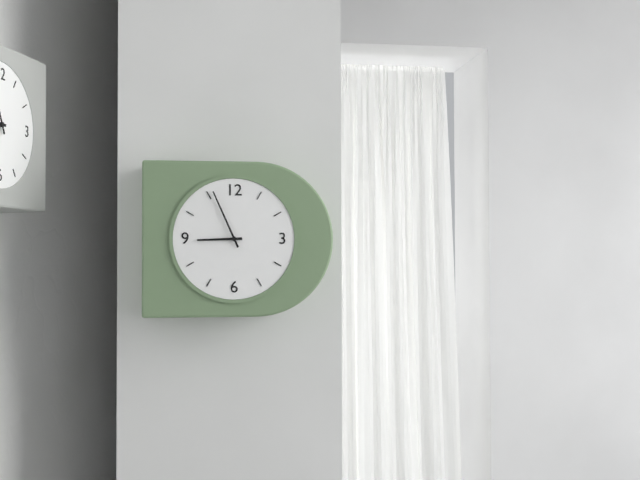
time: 8:56
